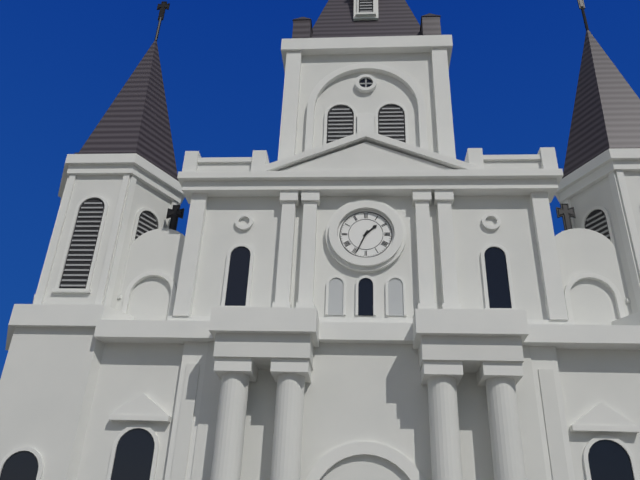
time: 1:34
